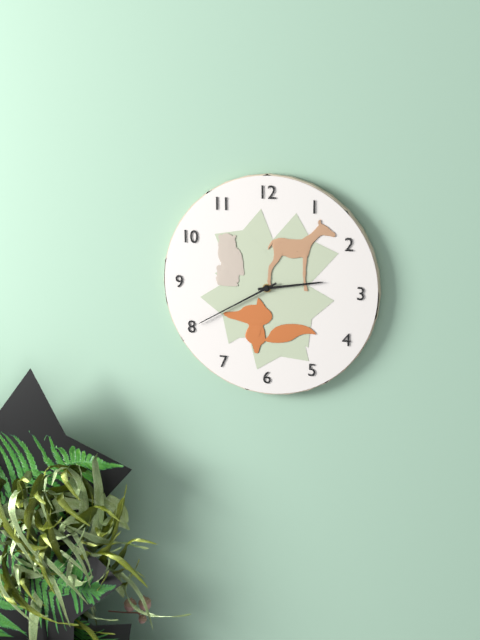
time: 2:40
